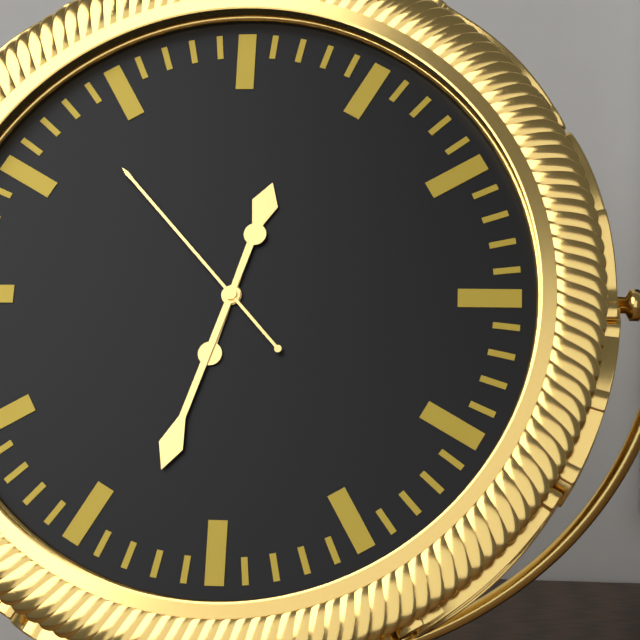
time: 12:33:53
